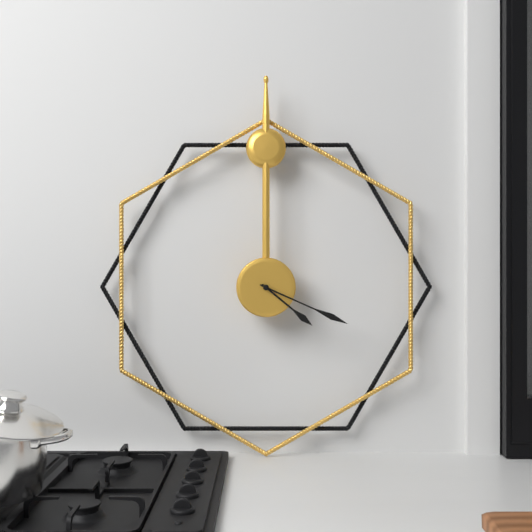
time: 4:19
